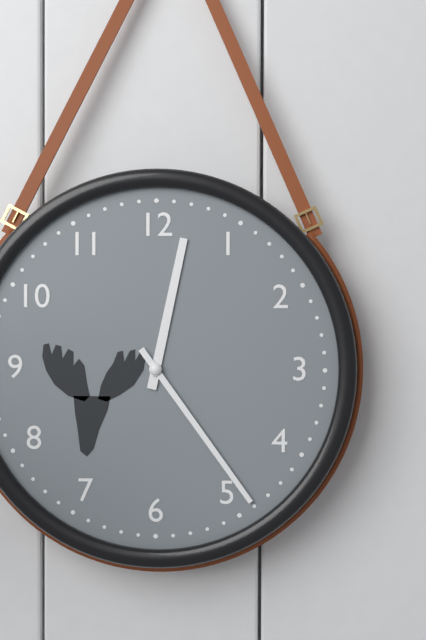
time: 12:24
